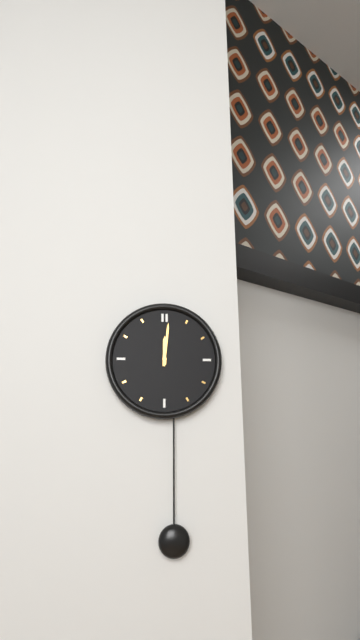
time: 12:01
